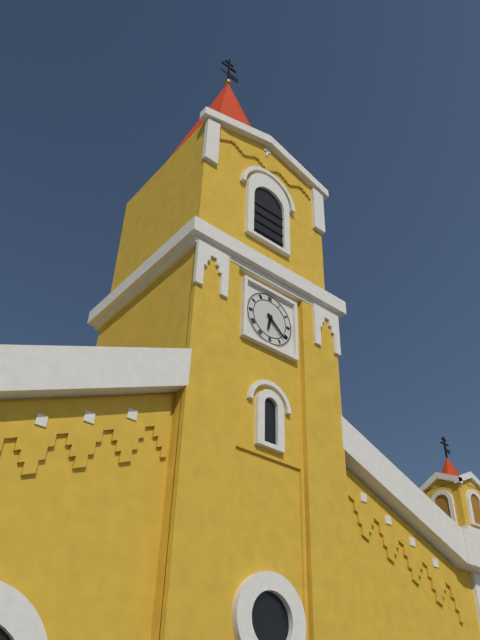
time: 6:22
